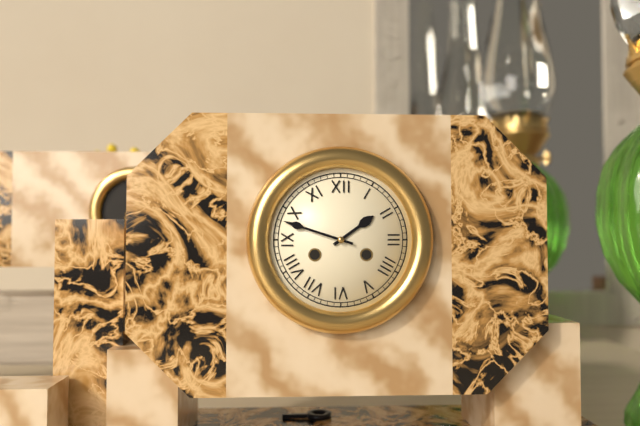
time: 1:48
